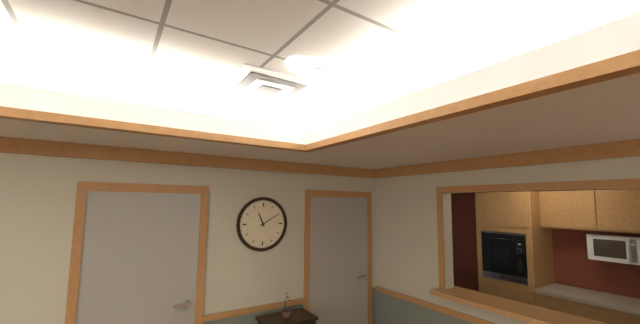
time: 11:10
